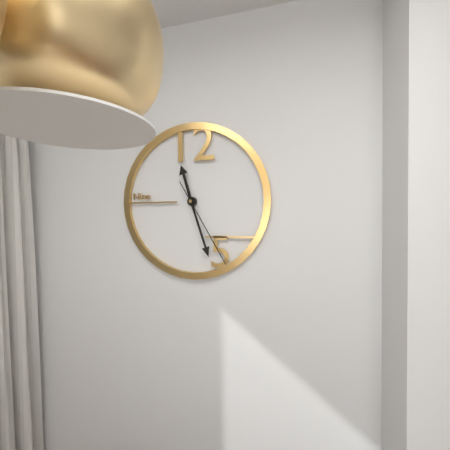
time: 11:27:25
